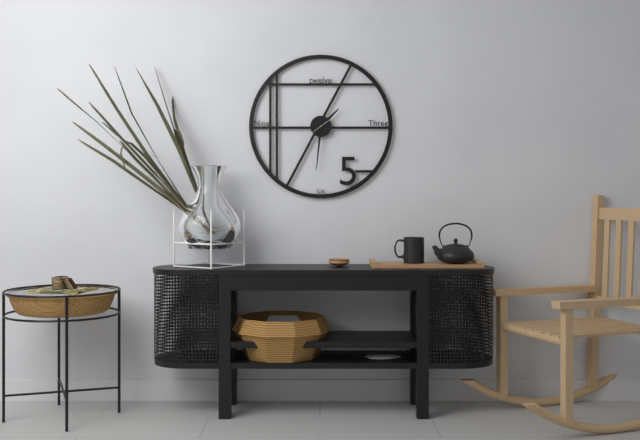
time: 1:31
